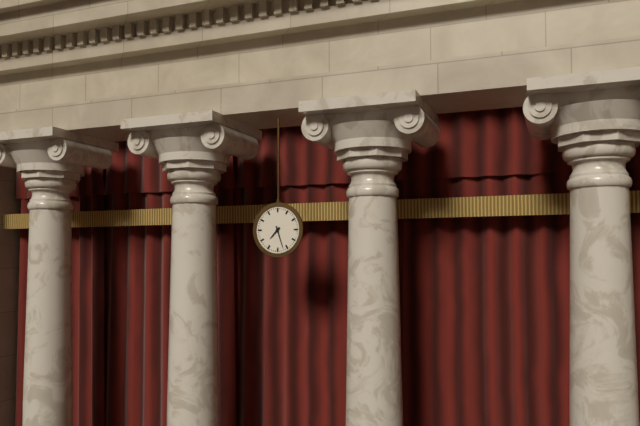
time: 7:27
